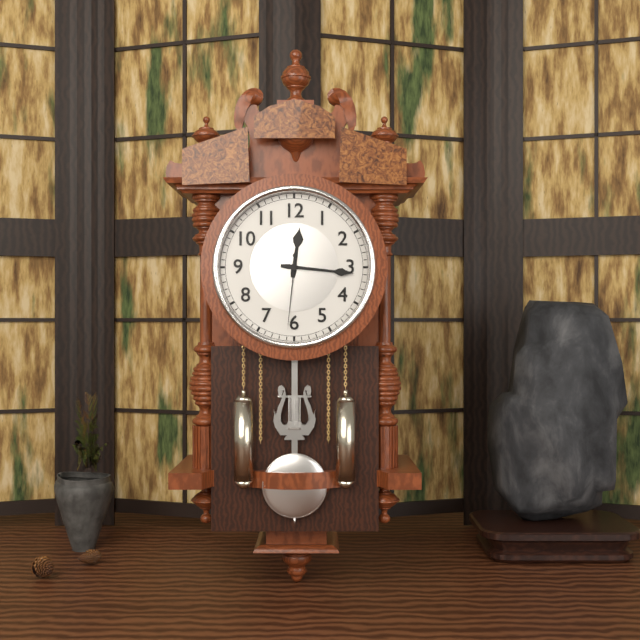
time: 12:16:31
